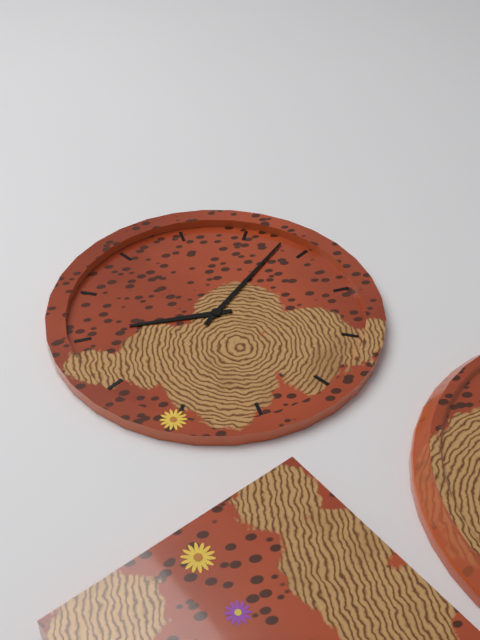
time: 9:08
